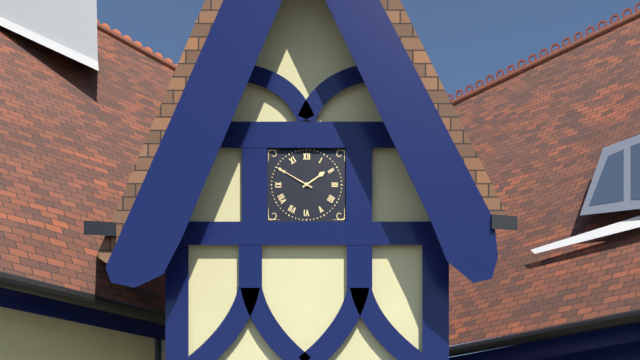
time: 1:50
